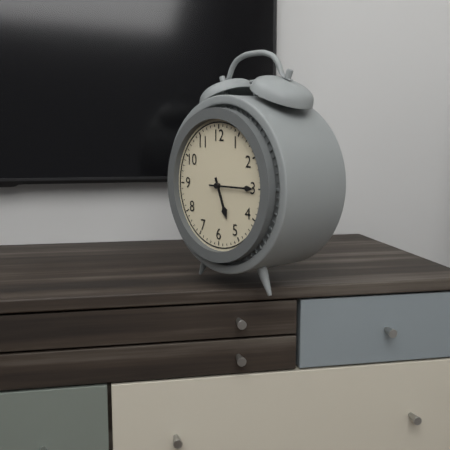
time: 5:15
